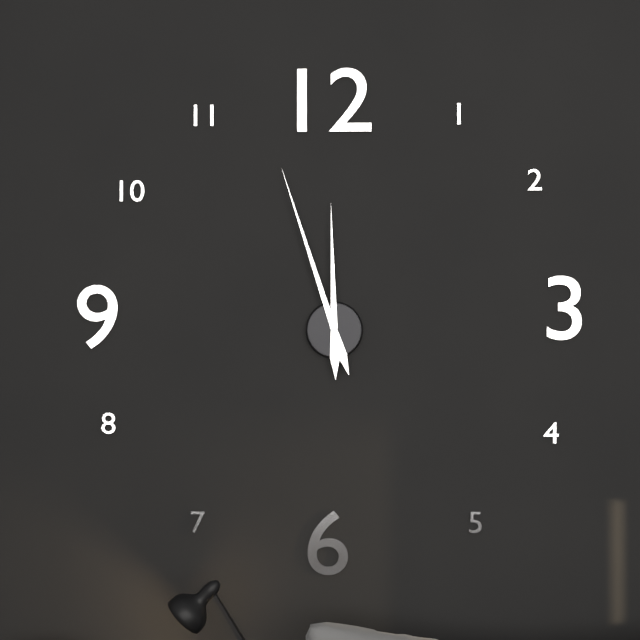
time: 11:57
